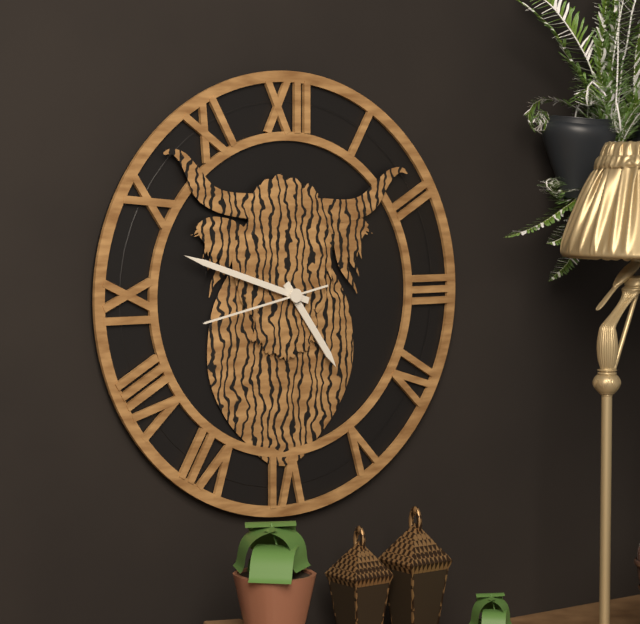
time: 4:48:43
